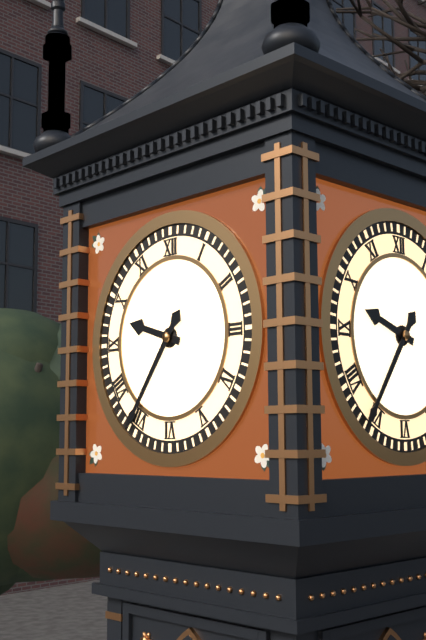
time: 9:36
